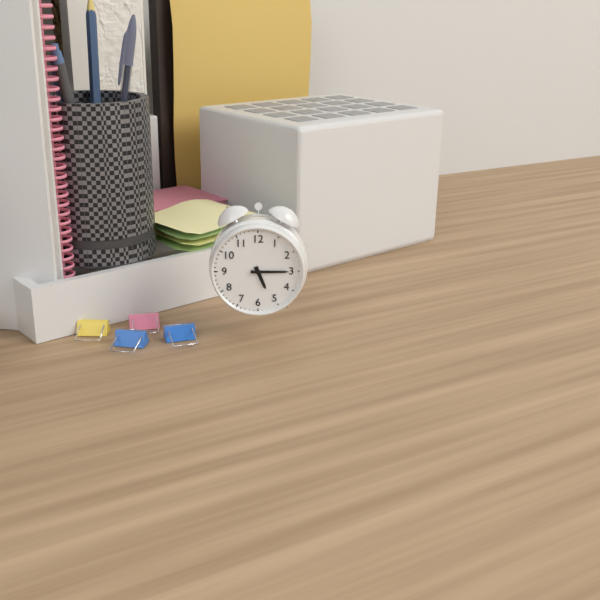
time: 5:15
